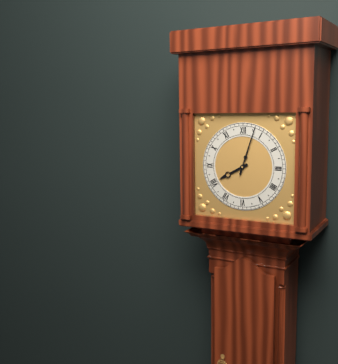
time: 8:03
